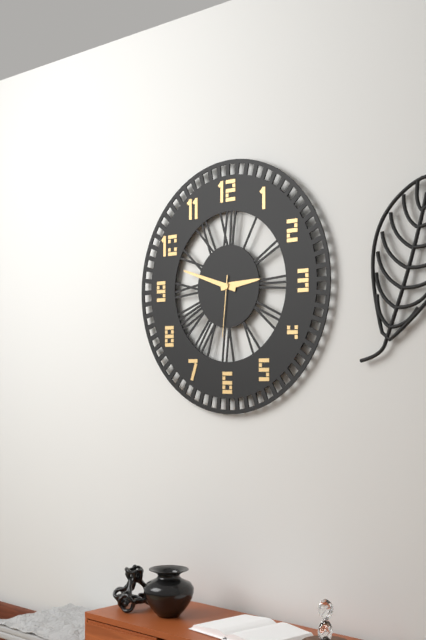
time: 2:48:31
